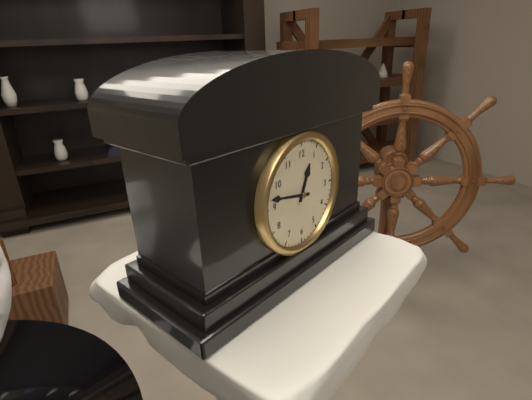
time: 12:47
